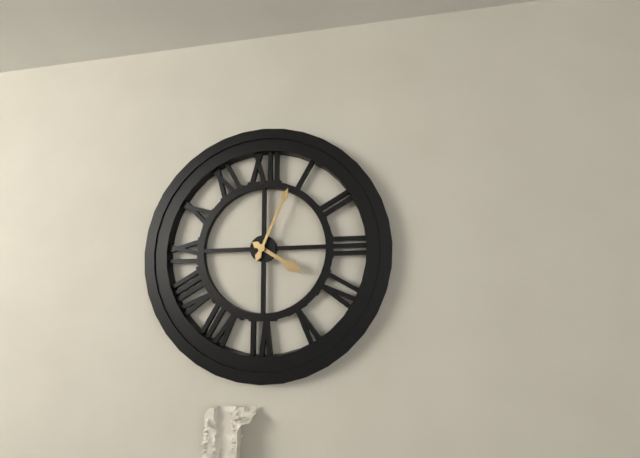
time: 4:04
